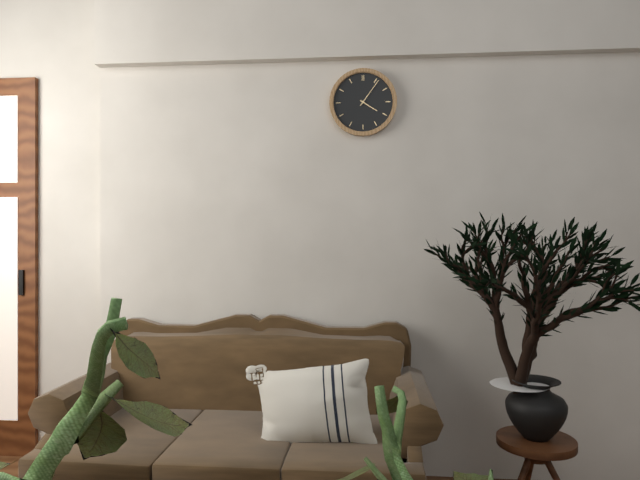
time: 4:06
